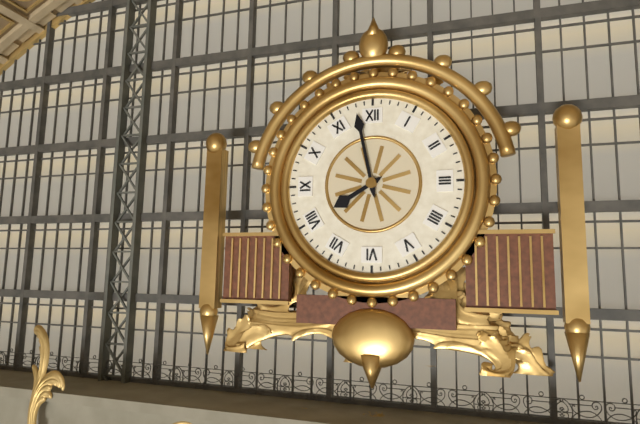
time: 7:58
